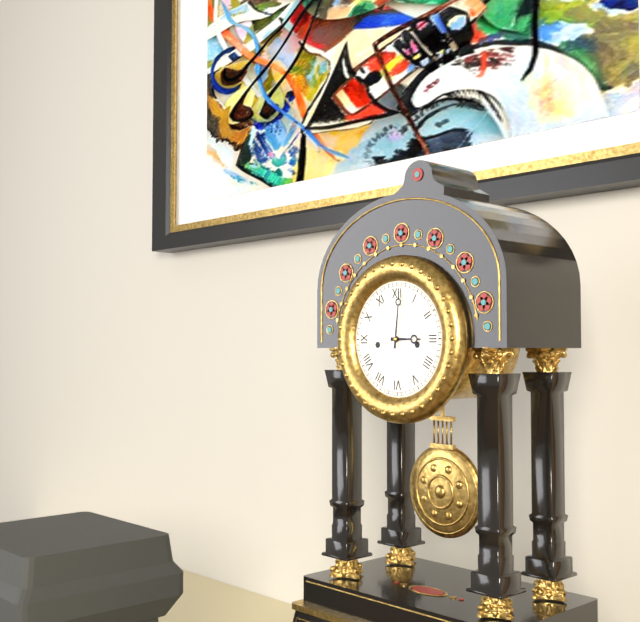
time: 3:01
